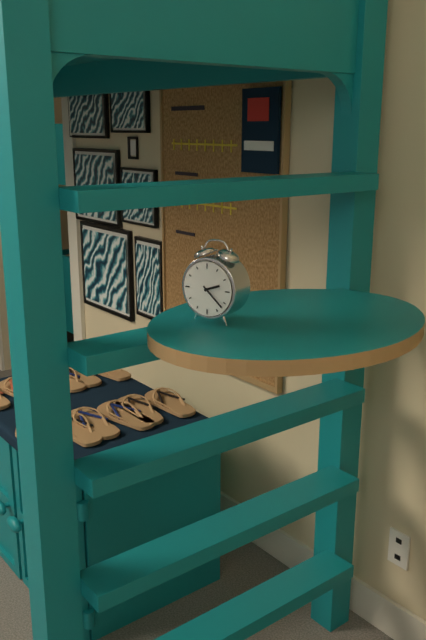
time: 2:22
